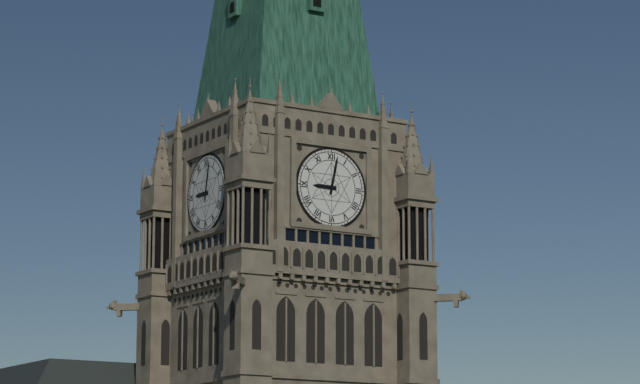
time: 9:02
